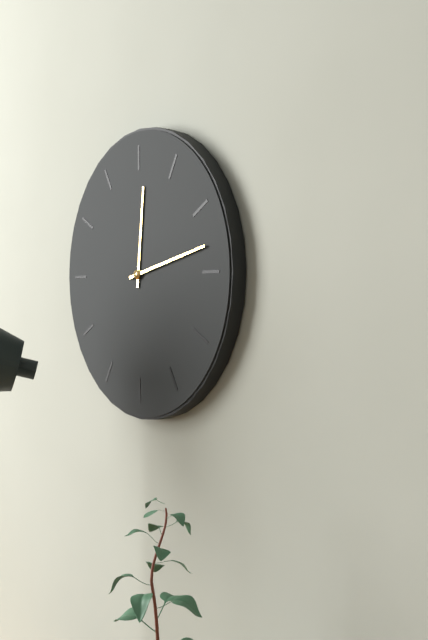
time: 12:13
